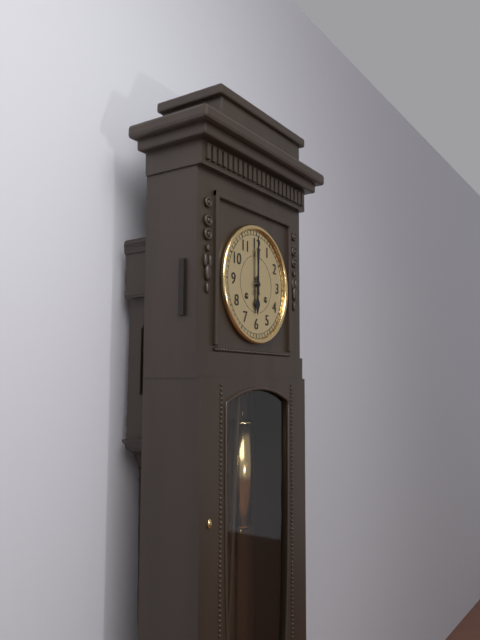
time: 6:00
